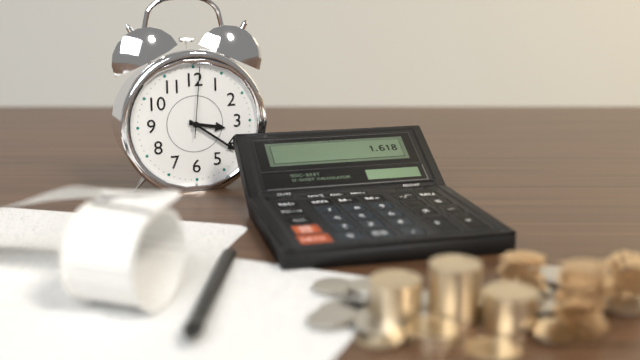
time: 3:21:01
